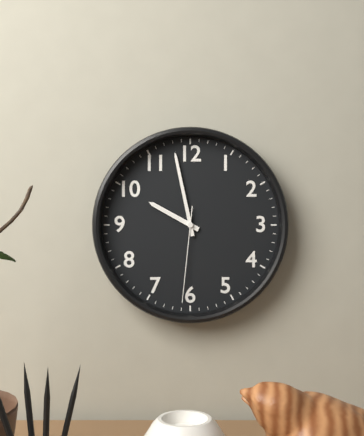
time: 9:58:31
